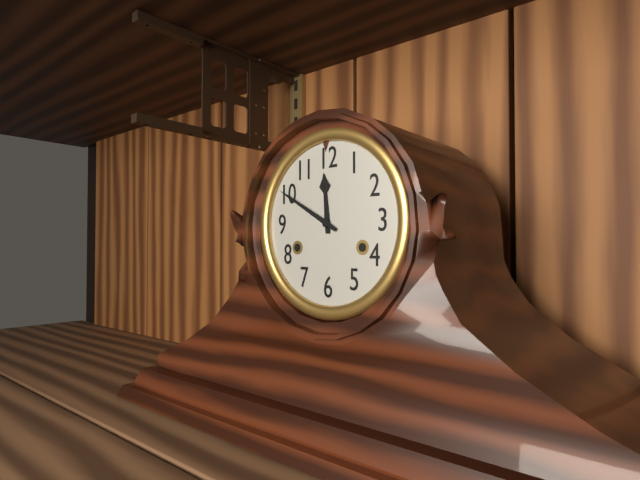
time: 11:50
